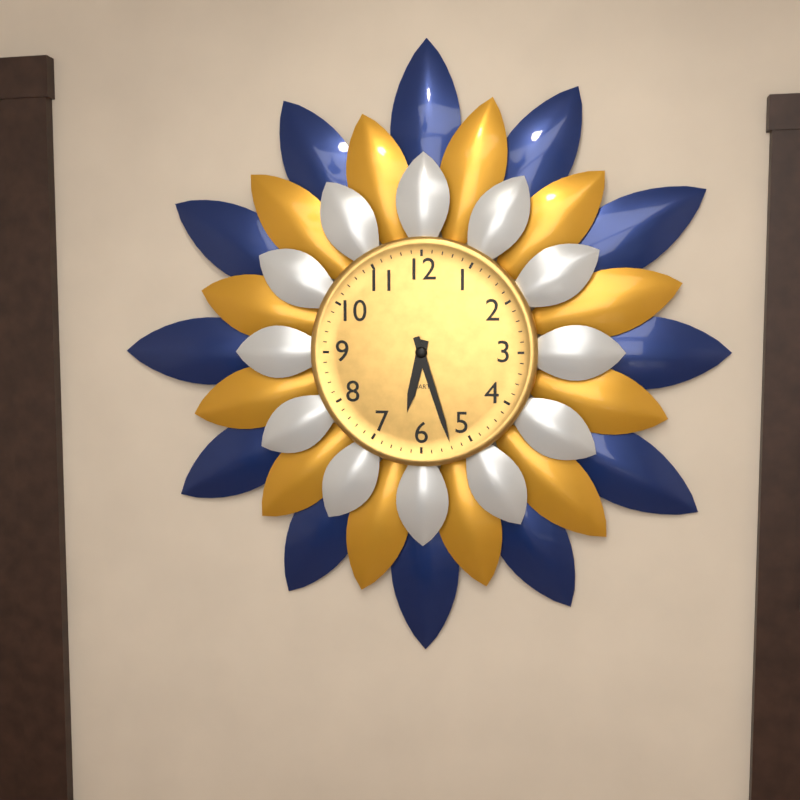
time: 6:27
